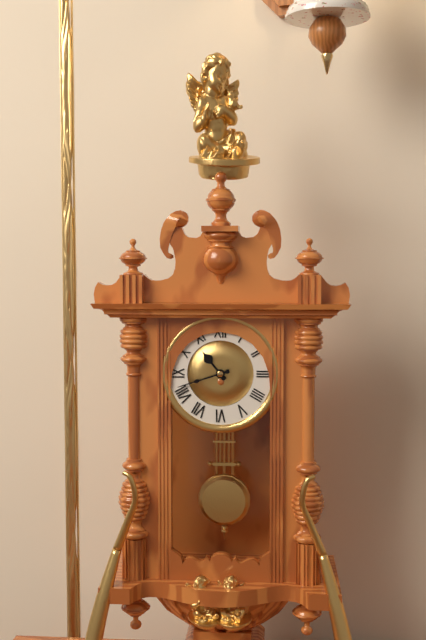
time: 10:42
